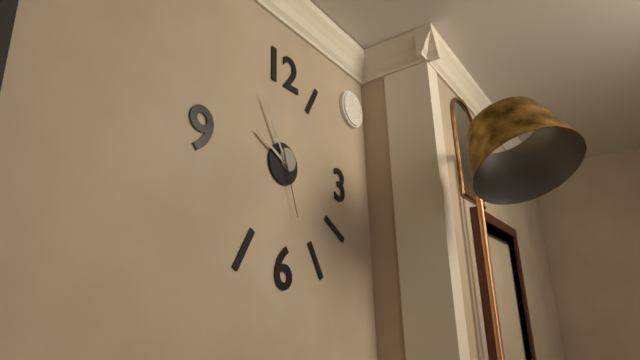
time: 9:55:27
